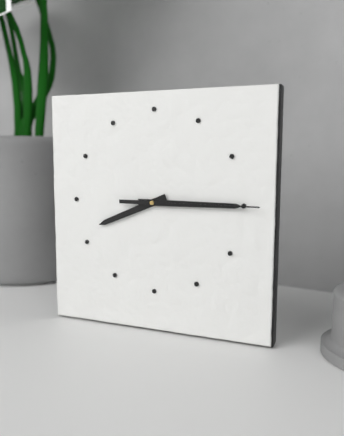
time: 8:15:15
